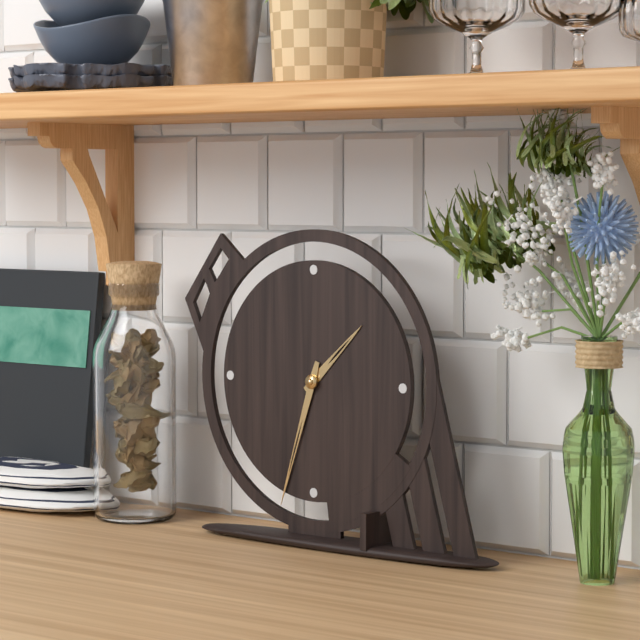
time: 1:33
